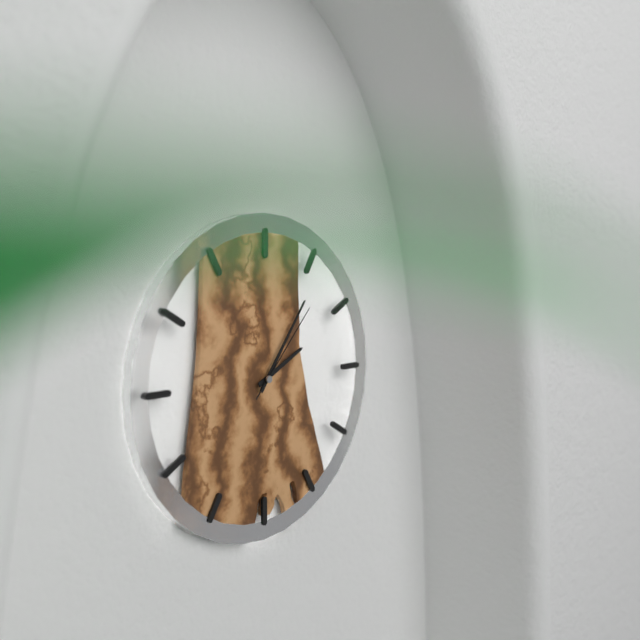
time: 2:06:07
